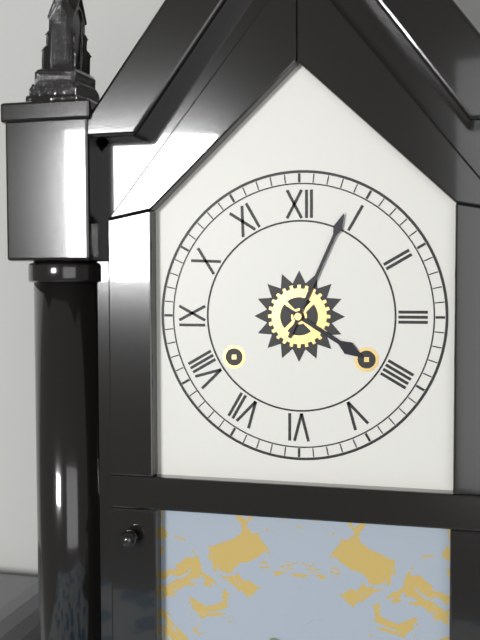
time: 4:04
